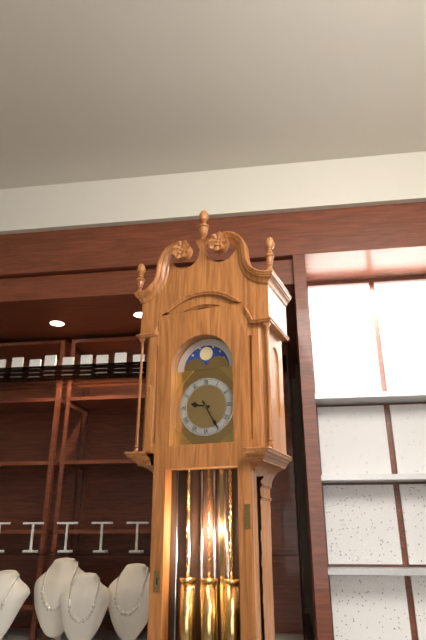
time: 9:25
